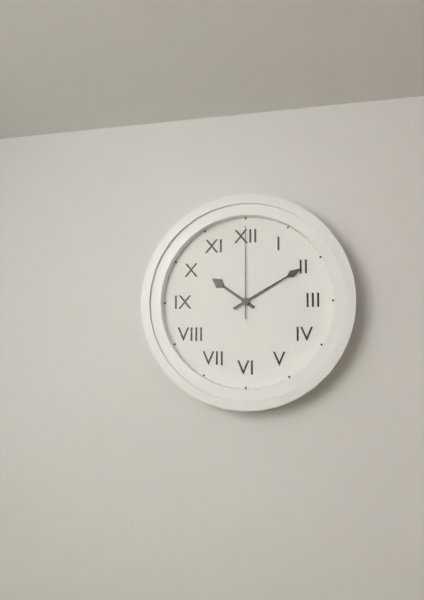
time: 10:10:00
